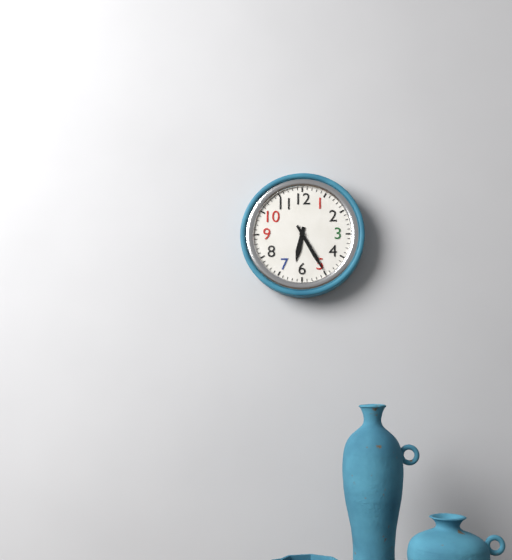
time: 6:25
